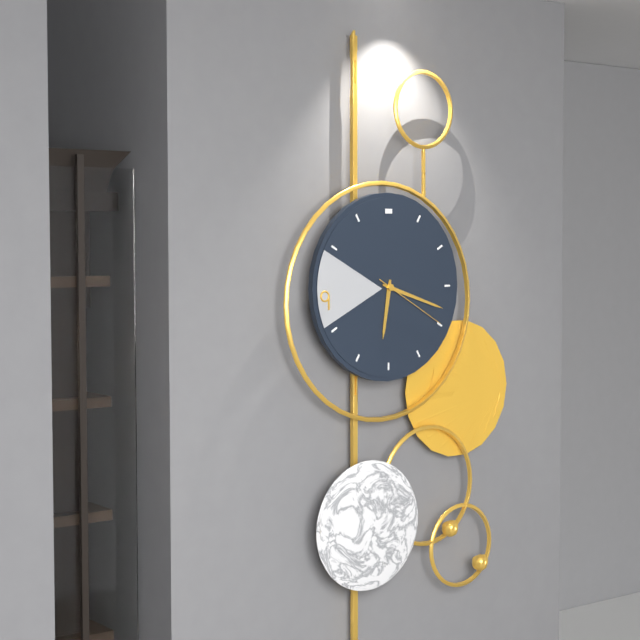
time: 6:18:20
